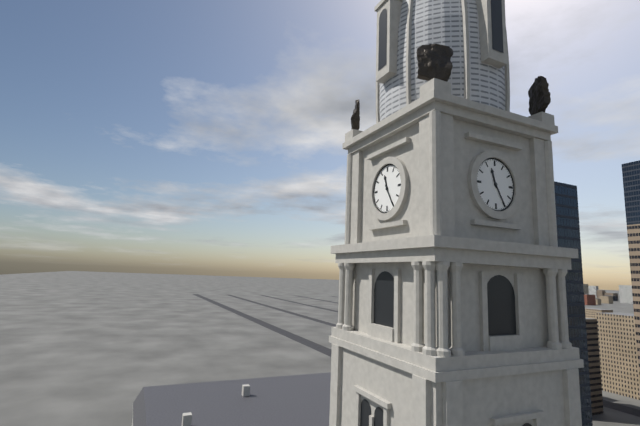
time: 11:25
